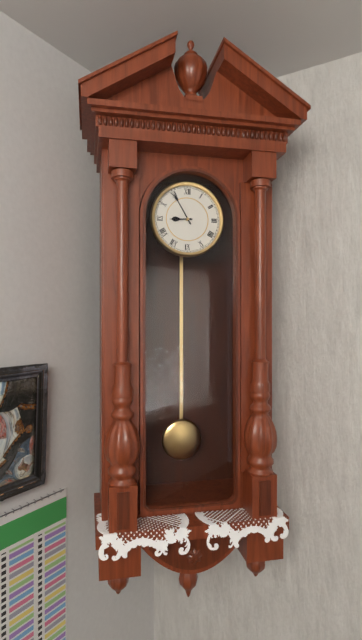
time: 8:55
